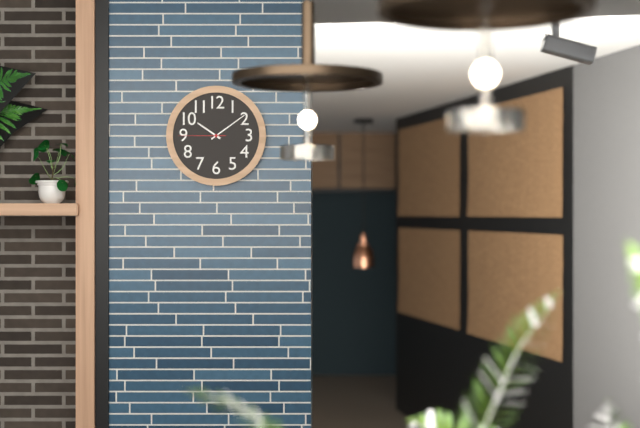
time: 10:09
